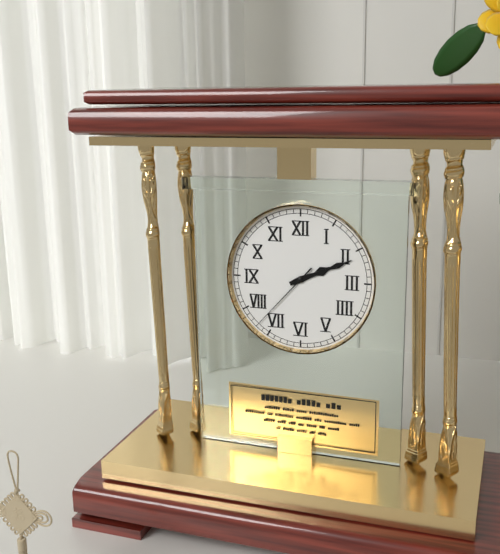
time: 2:11:37
